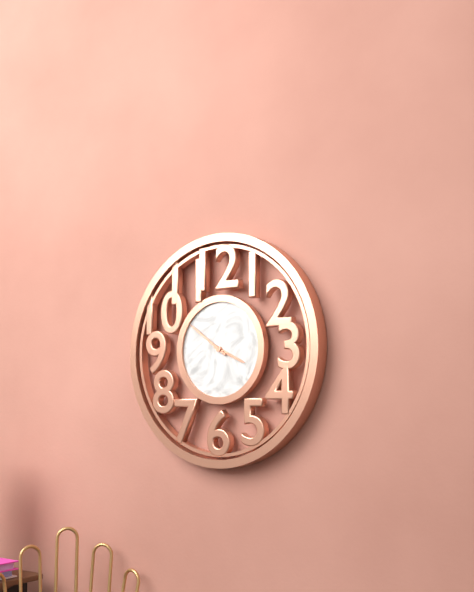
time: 3:51
